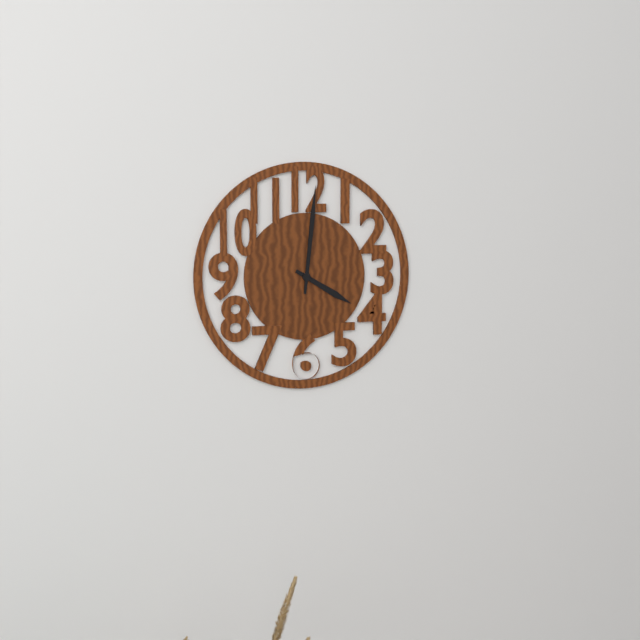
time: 4:01
